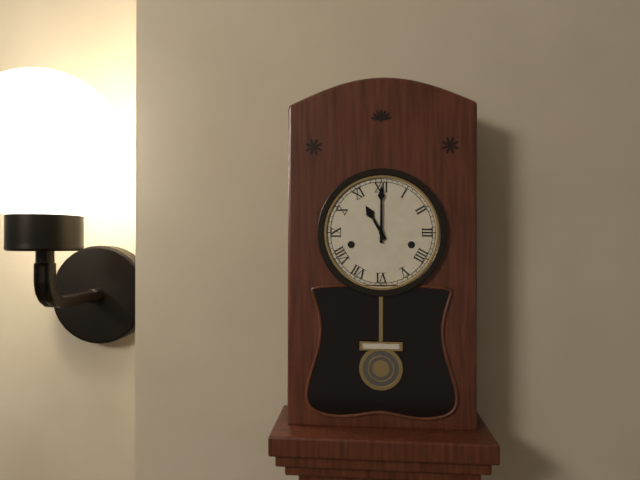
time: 11:00
